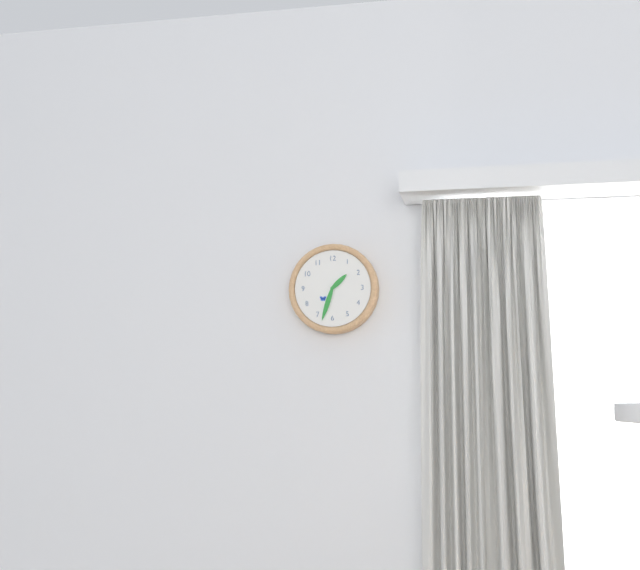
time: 1:33
